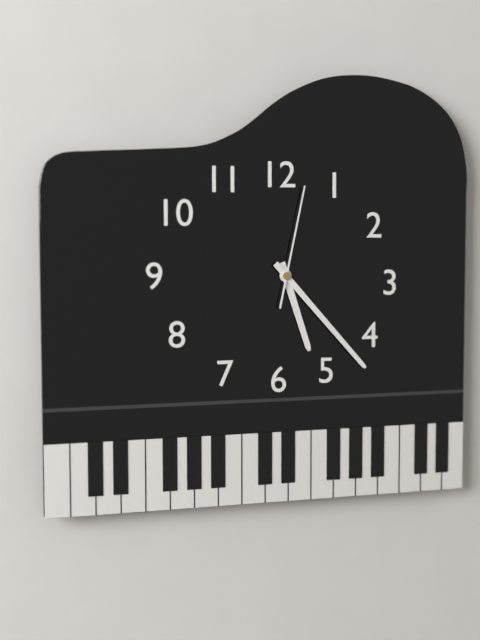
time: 5:23:02
